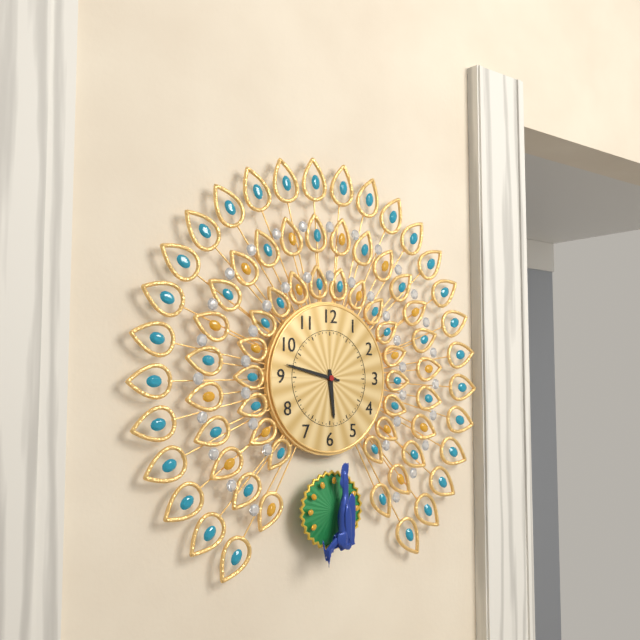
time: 5:47
